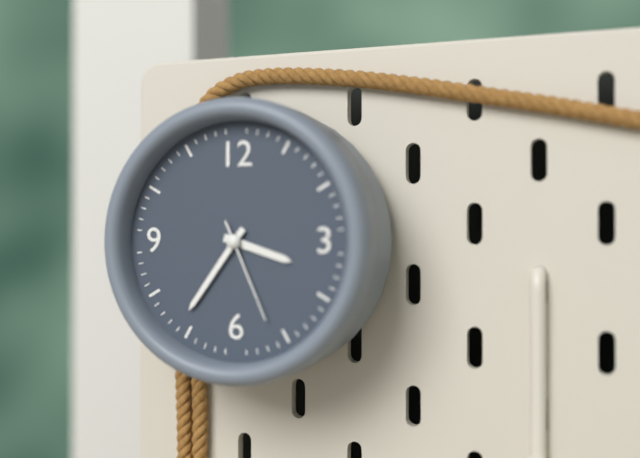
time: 3:36:26
